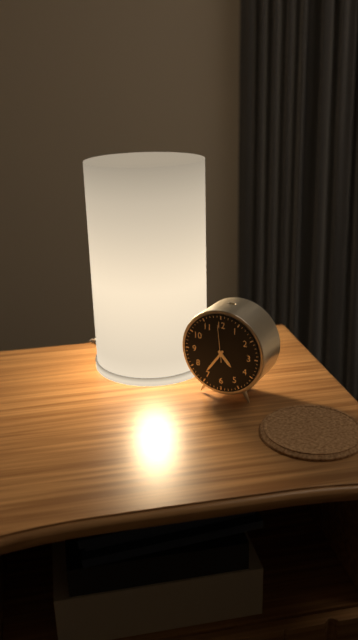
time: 4:36
